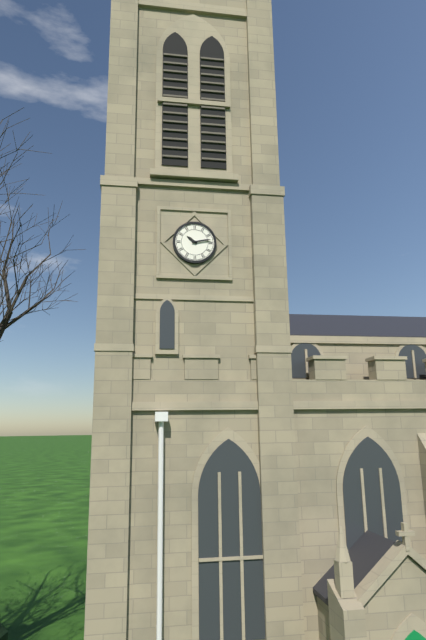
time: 10:13
